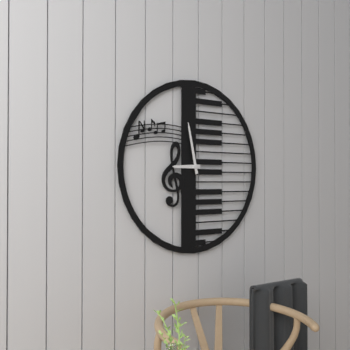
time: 8:58
